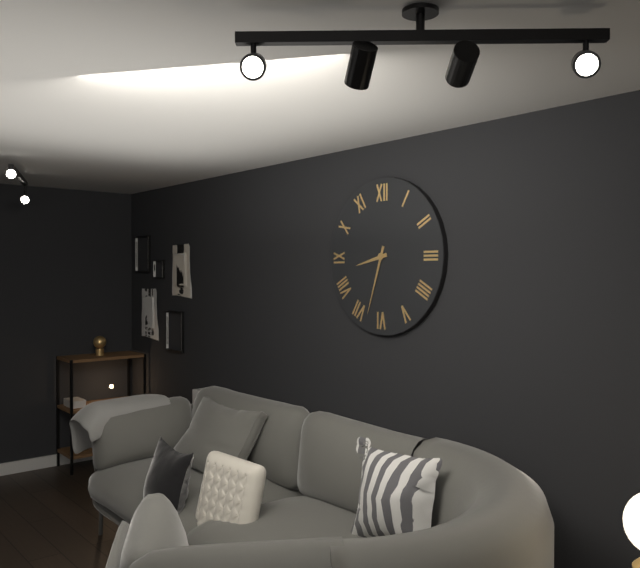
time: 8:33
